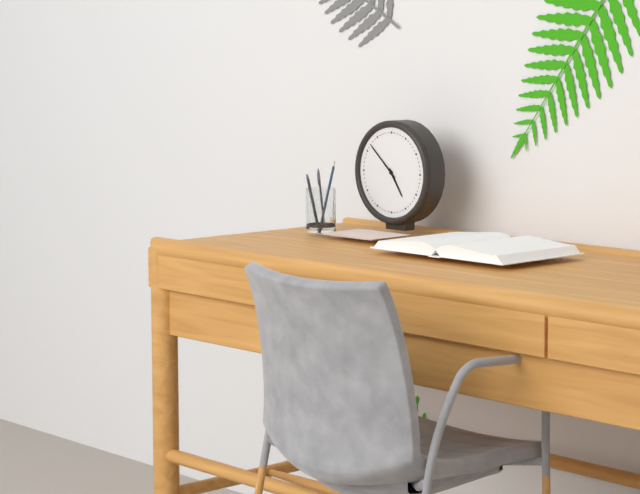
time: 4:52
